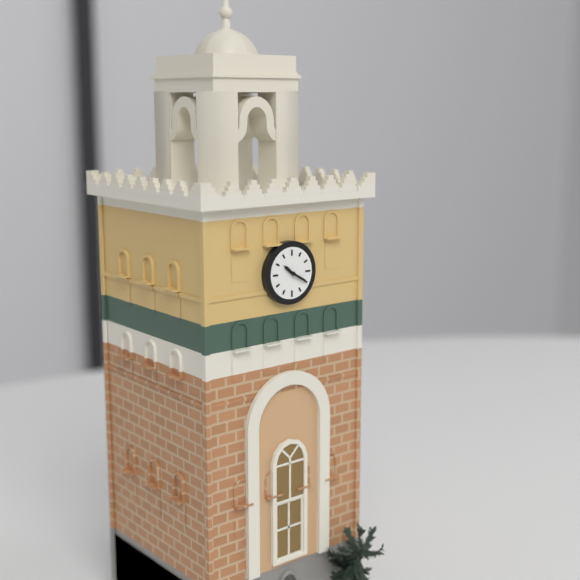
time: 10:20
